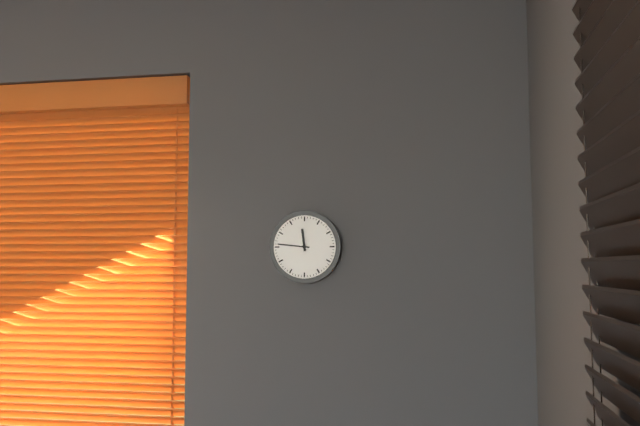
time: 11:46
